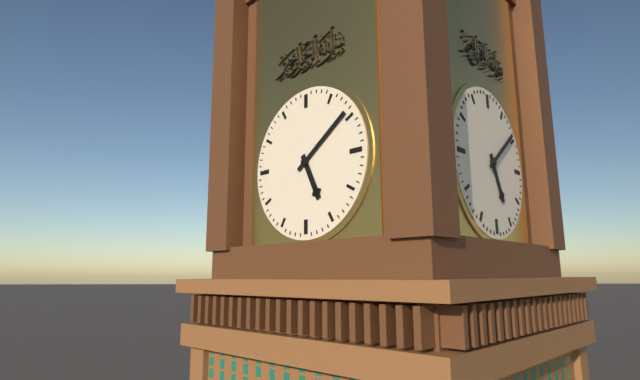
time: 5:09
